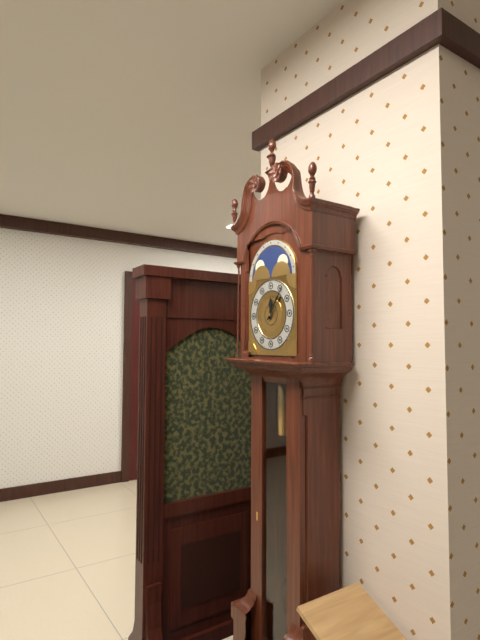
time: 12:06
